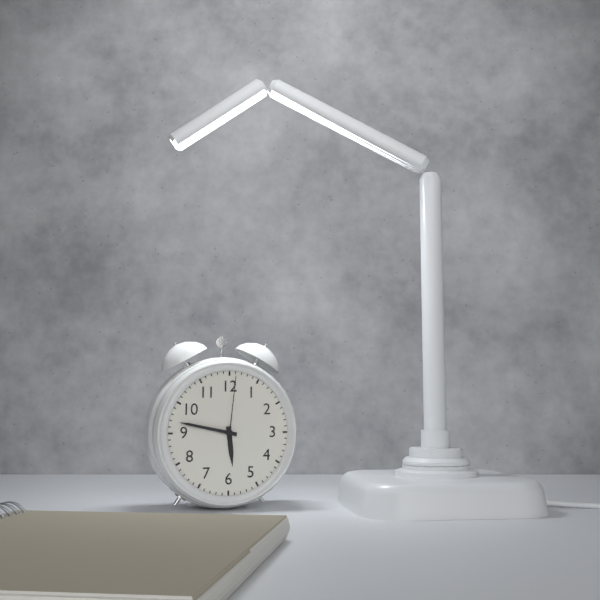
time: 5:47:01
